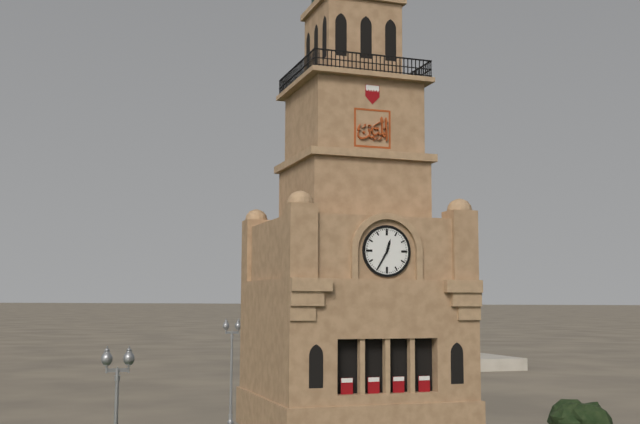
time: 12:35
